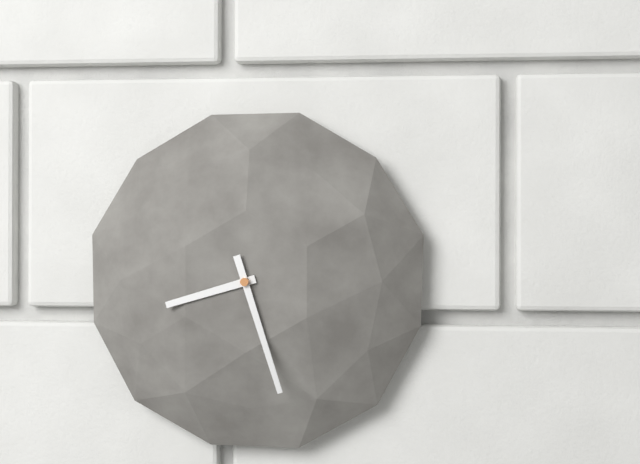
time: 8:27
